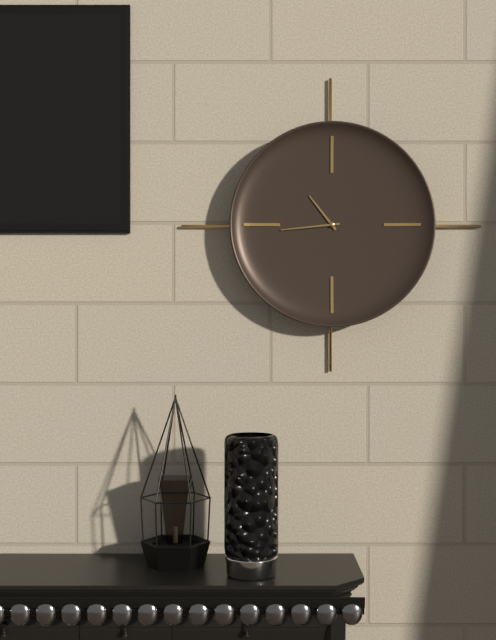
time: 10:44
